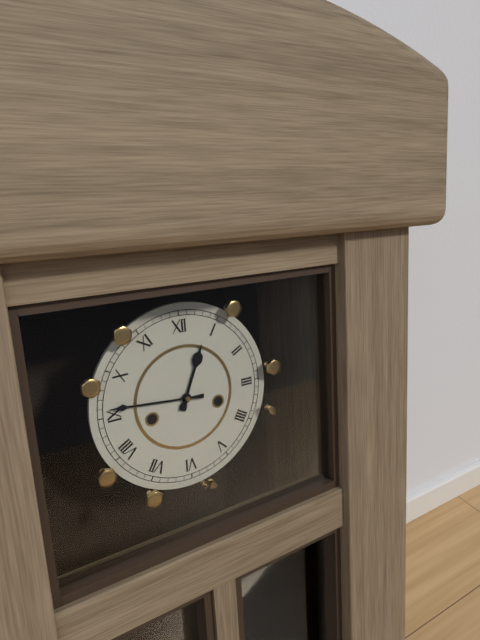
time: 12:46
